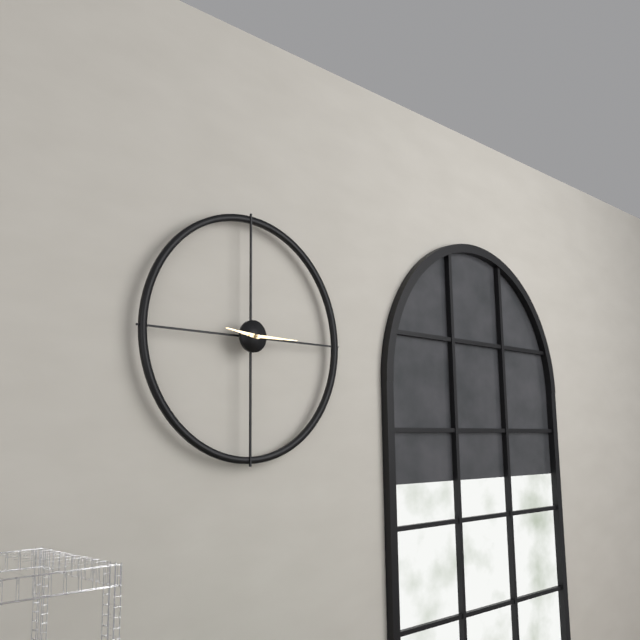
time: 9:15
